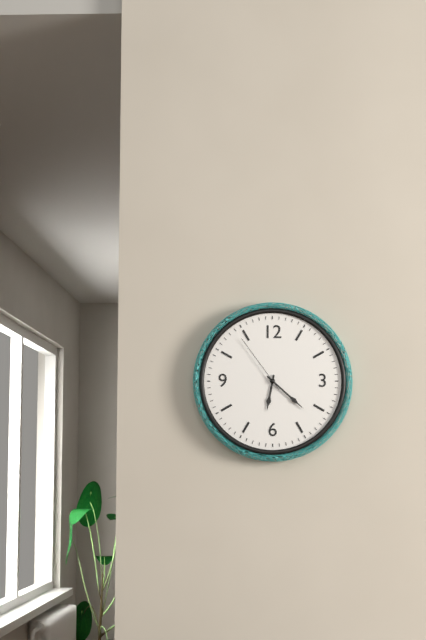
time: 6:22:54
